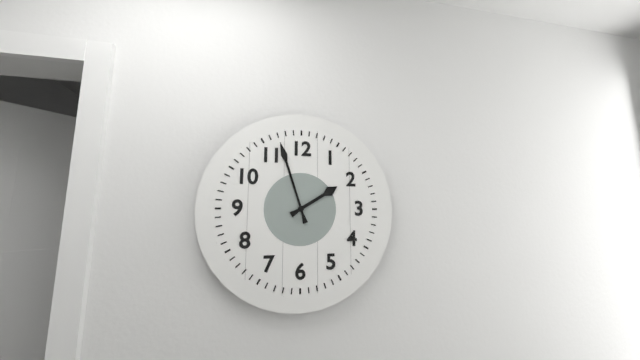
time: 1:57
